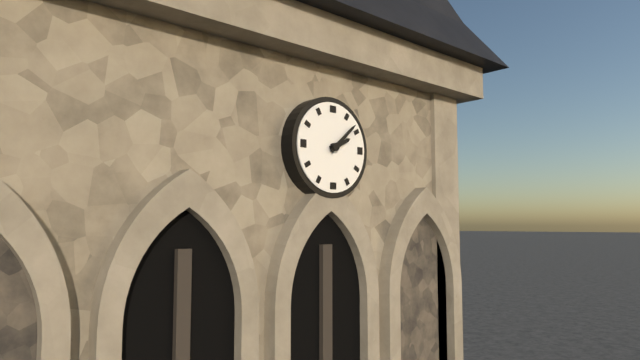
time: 2:08
